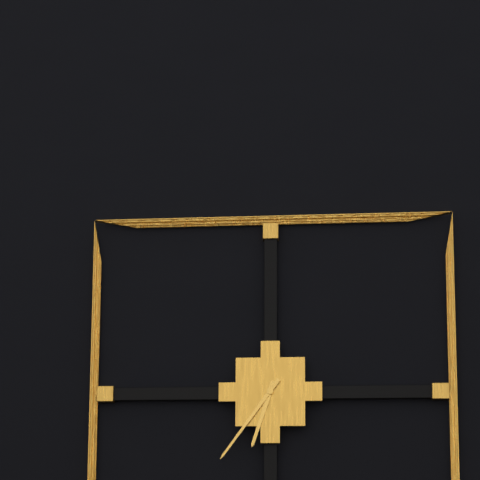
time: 6:36
